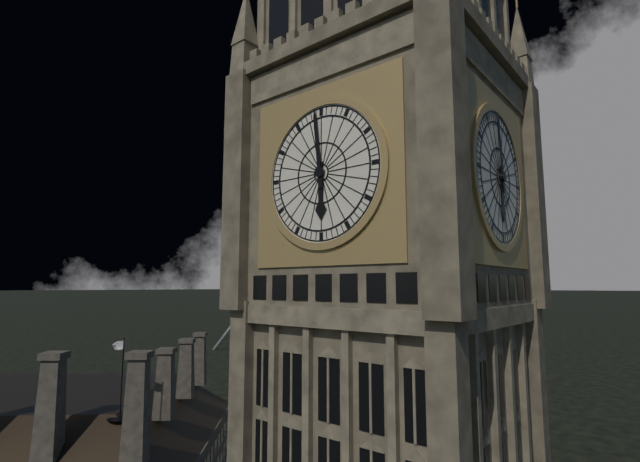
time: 5:59
